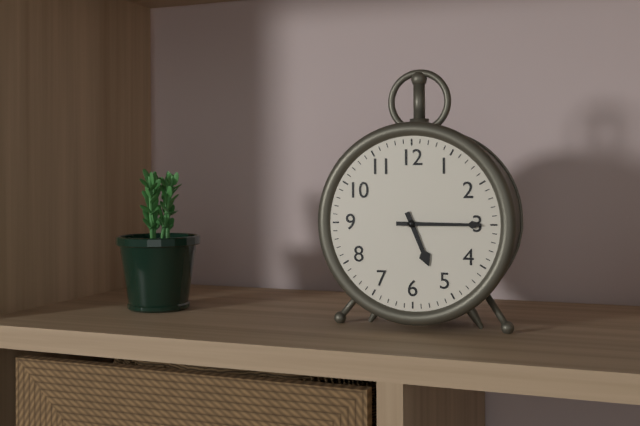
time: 5:15
